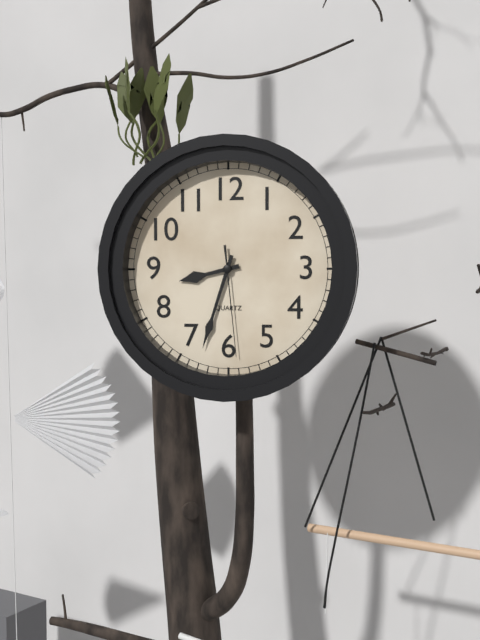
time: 8:33:29
